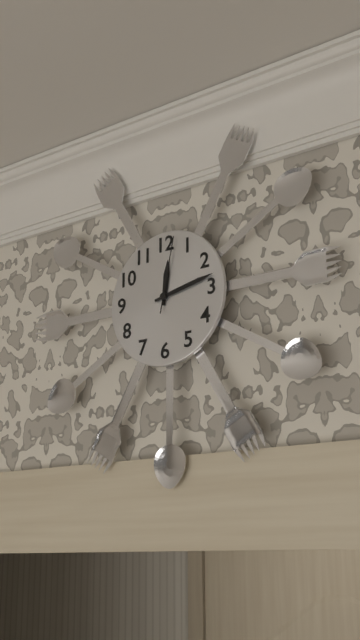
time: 12:13:02
